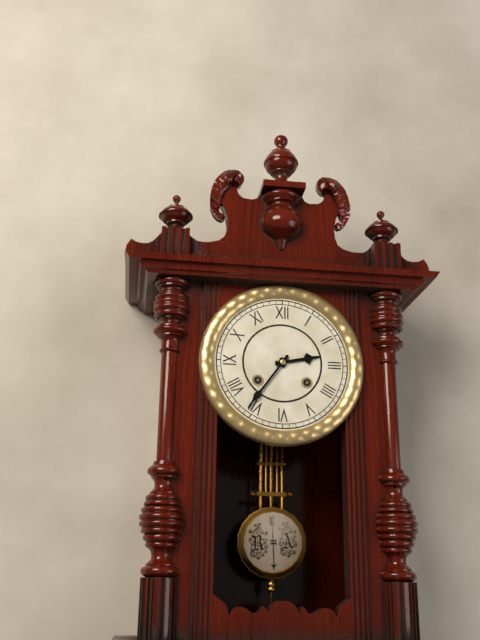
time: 2:36
